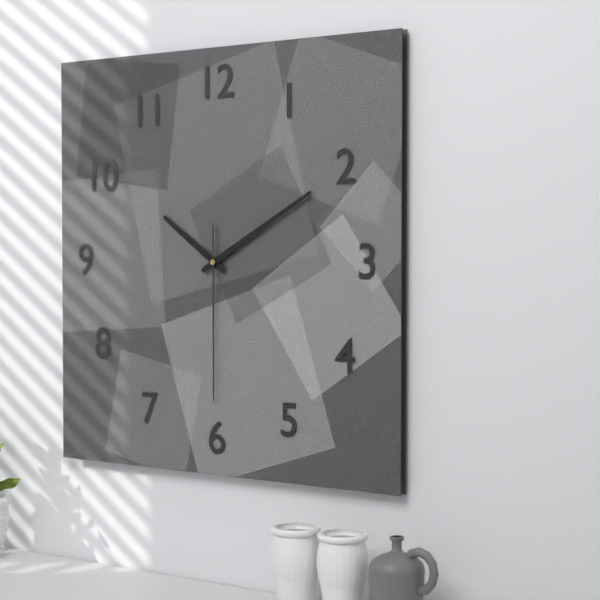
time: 10:10:30
